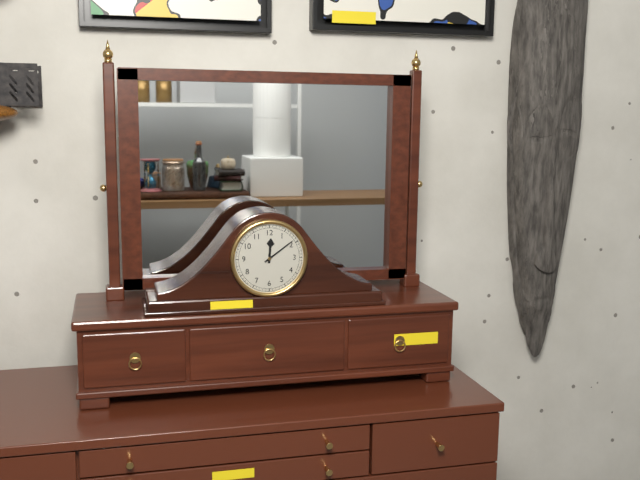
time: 12:09
